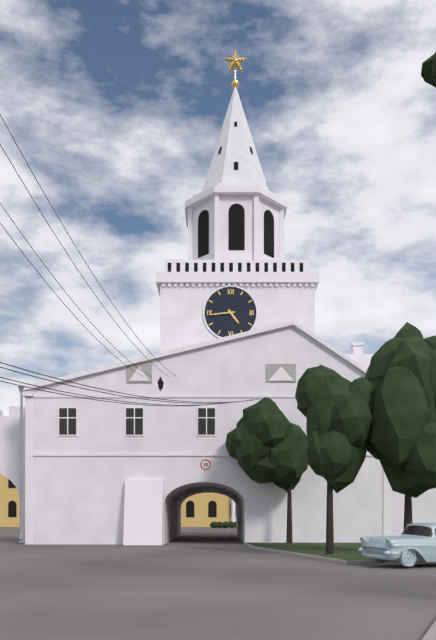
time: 4:44
